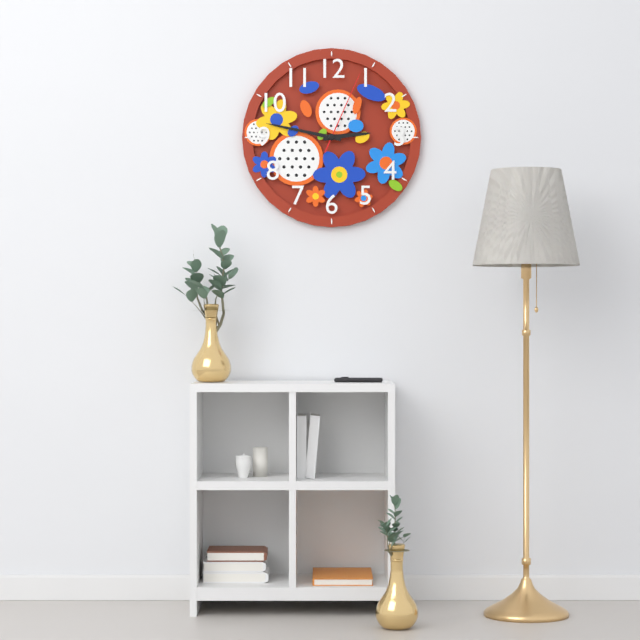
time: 2:47:04
